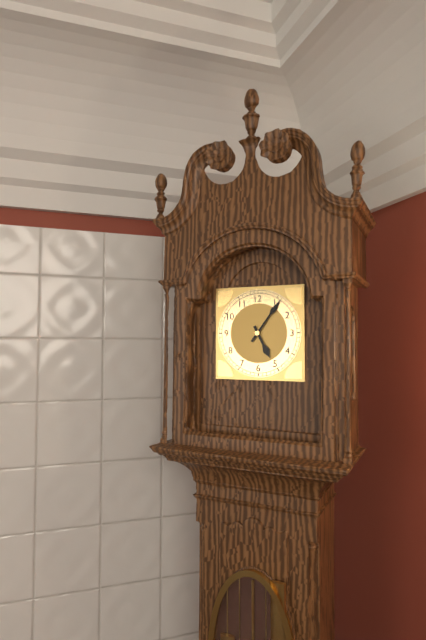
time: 5:06
